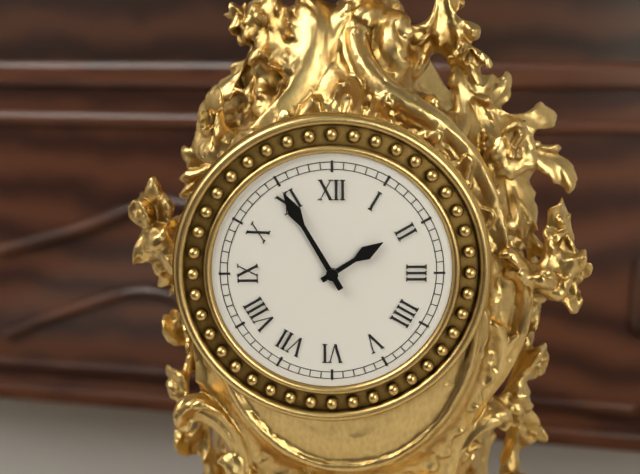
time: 1:55
